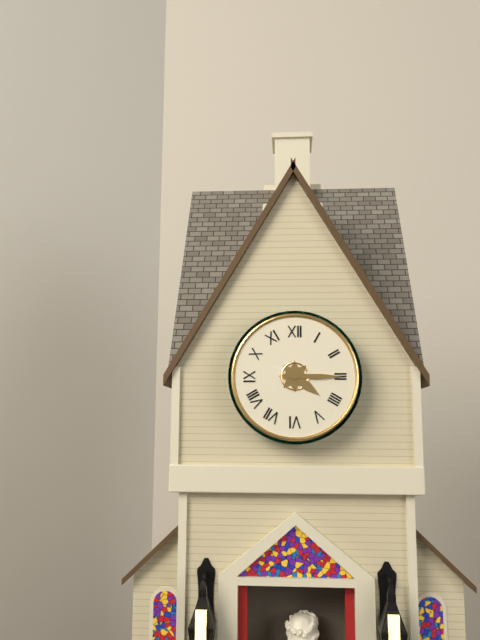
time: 4:15
